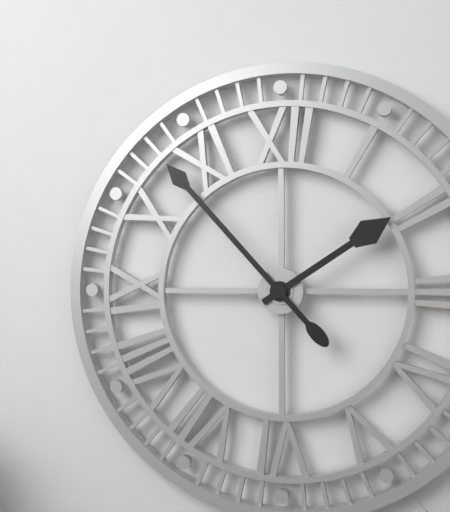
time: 1:53
